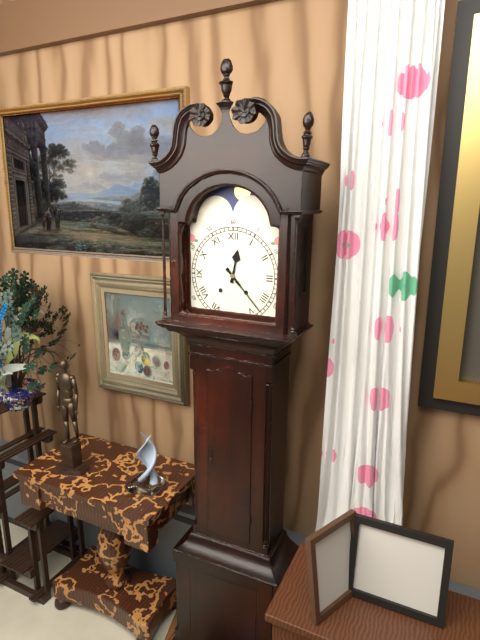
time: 12:23
